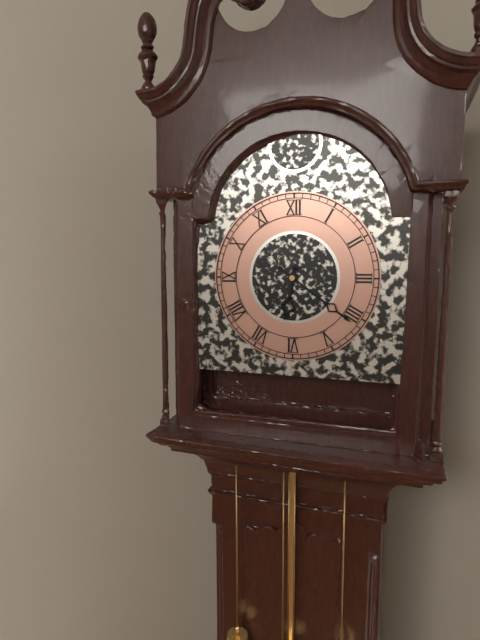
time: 6:21
